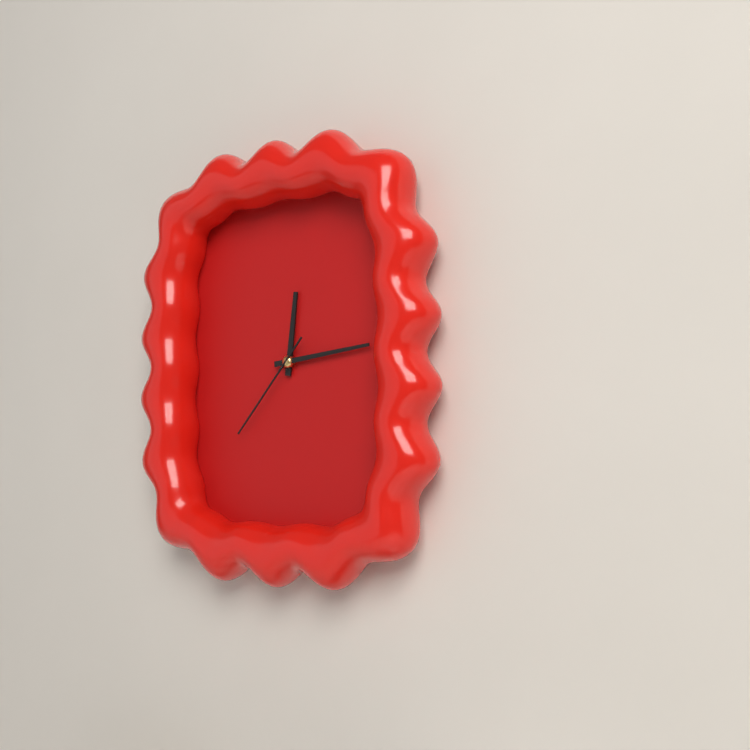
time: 12:14:37
